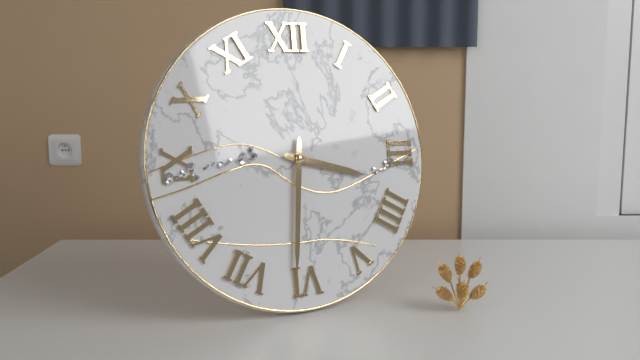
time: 3:31
